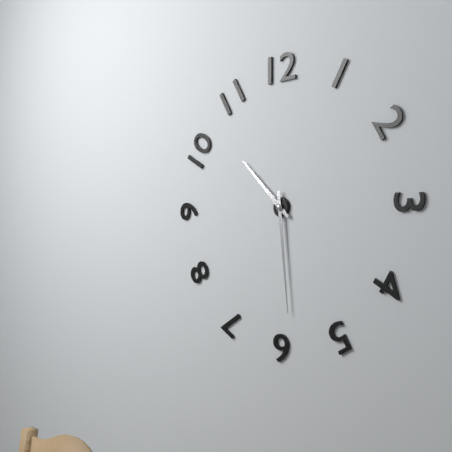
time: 10:29
